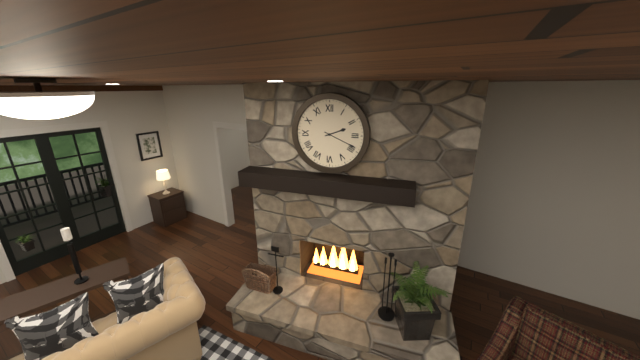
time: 2:19
